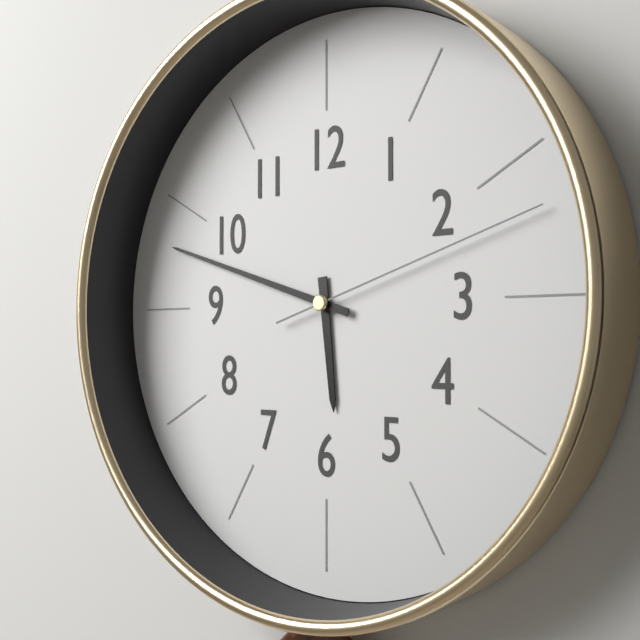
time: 5:48:12
